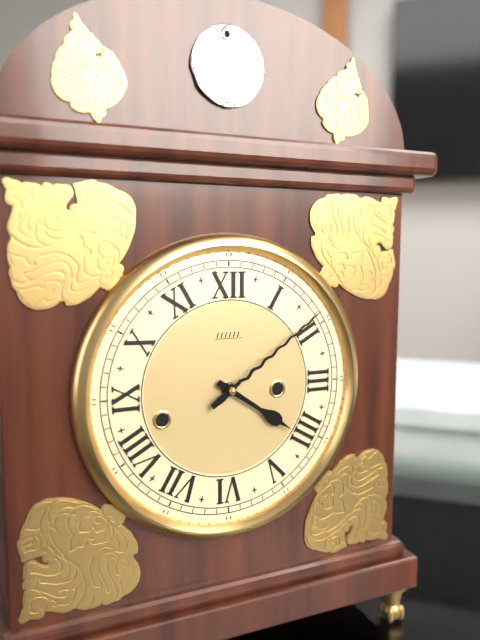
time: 4:09
